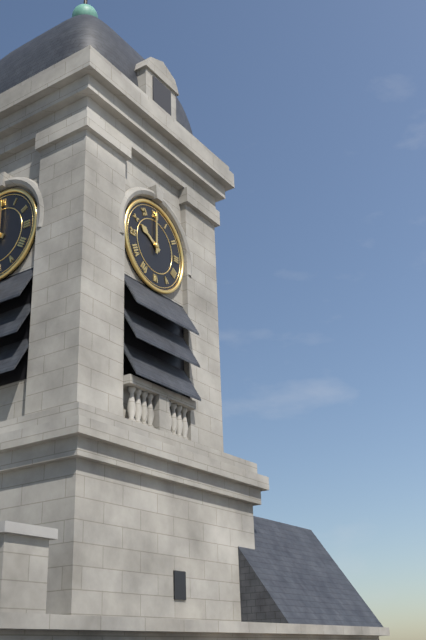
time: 10:00
